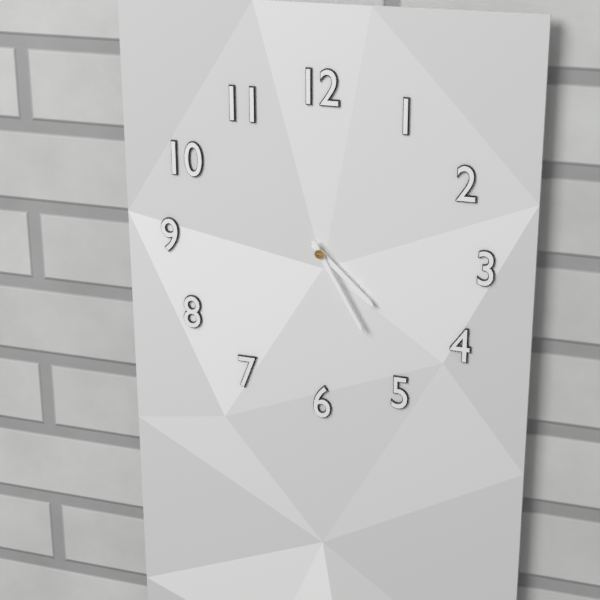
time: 4:25
